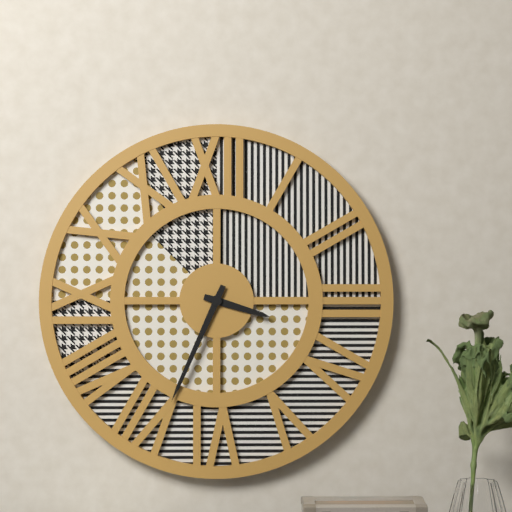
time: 3:34
